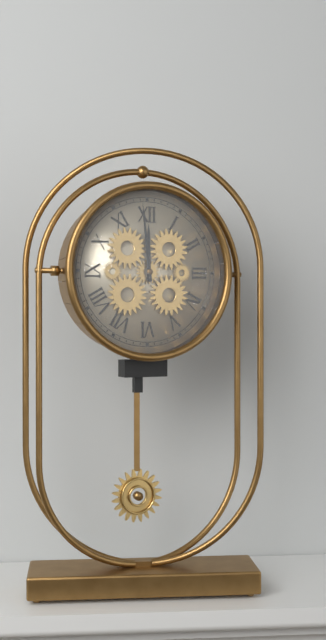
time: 11:59
